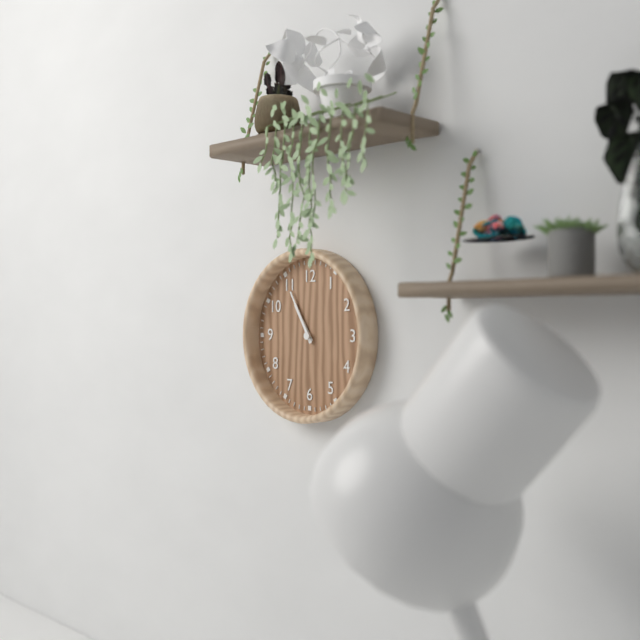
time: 10:55
